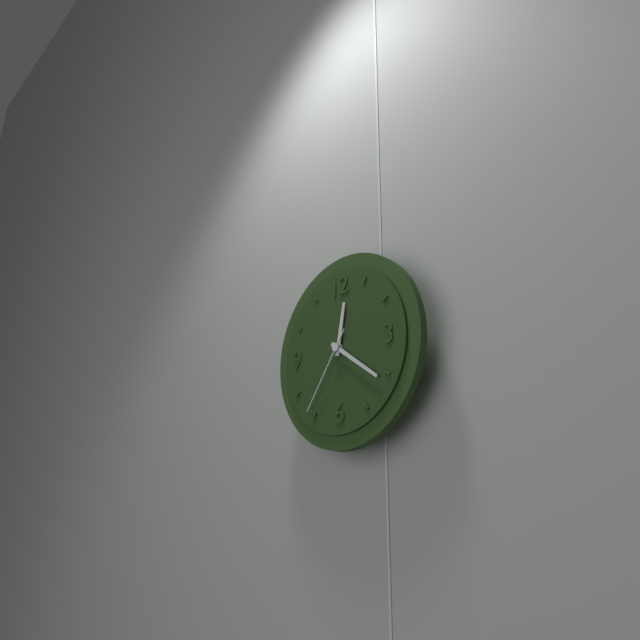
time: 12:21:36
